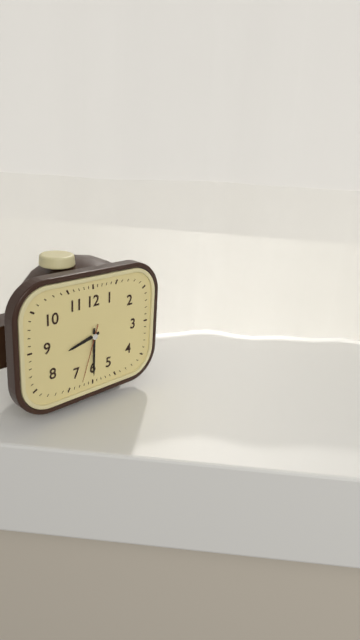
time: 8:30:33
